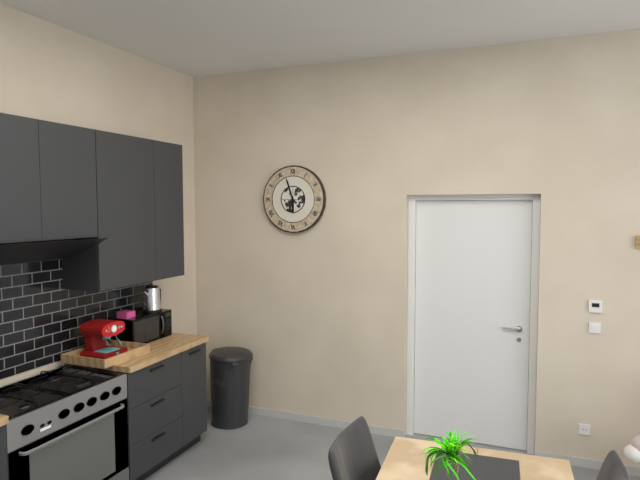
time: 5:57
